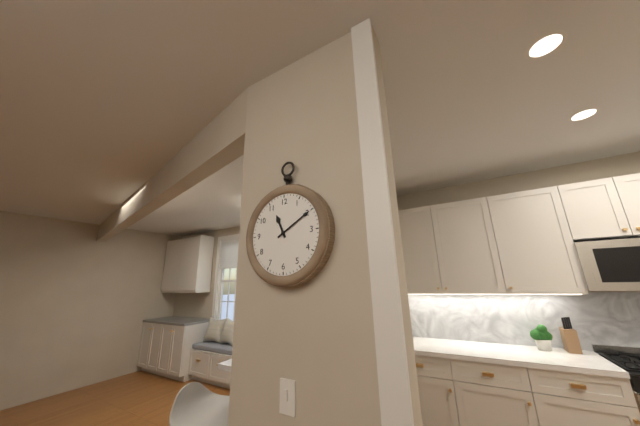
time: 11:10
